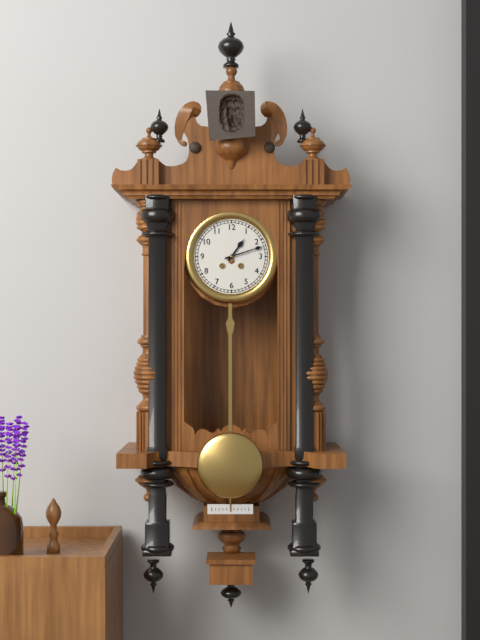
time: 1:12
